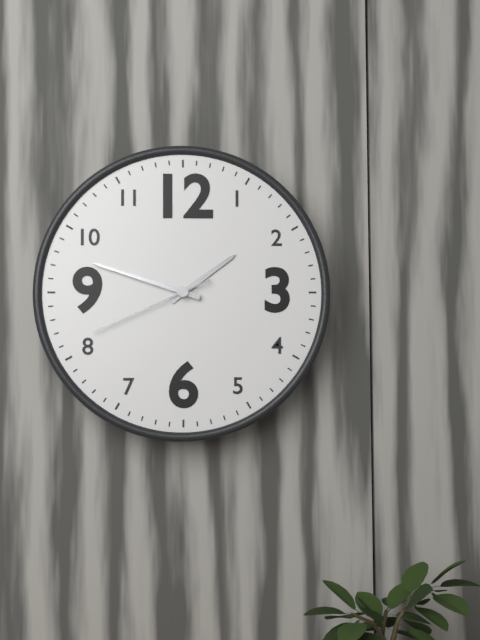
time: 1:48:41
